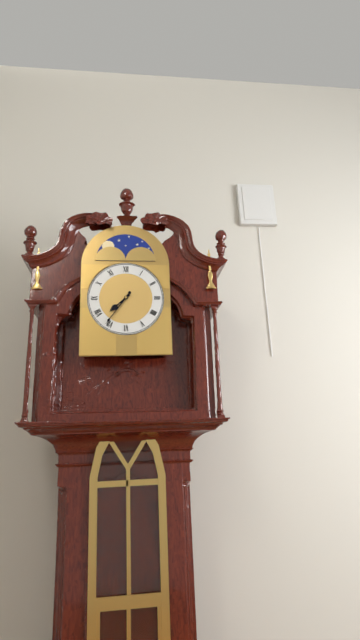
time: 7:36
